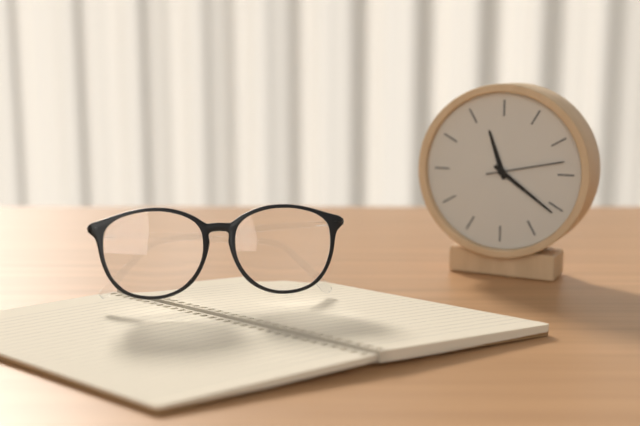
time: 11:21:13
